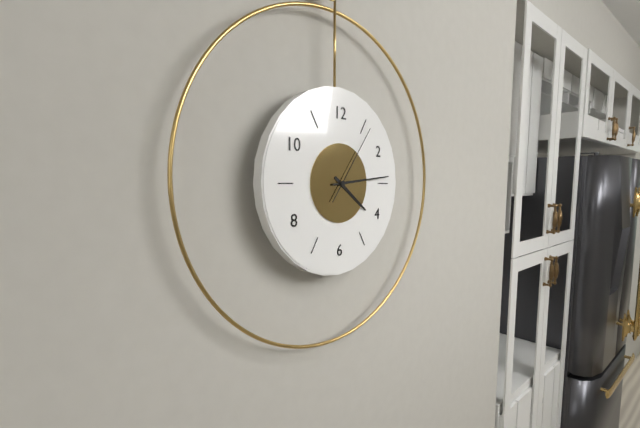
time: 4:14:06
